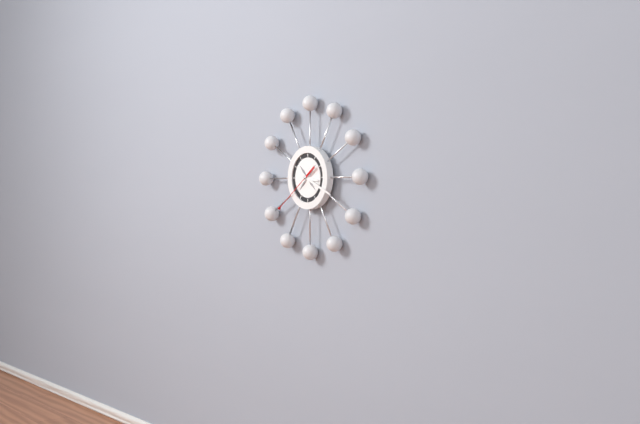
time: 3:19:39
